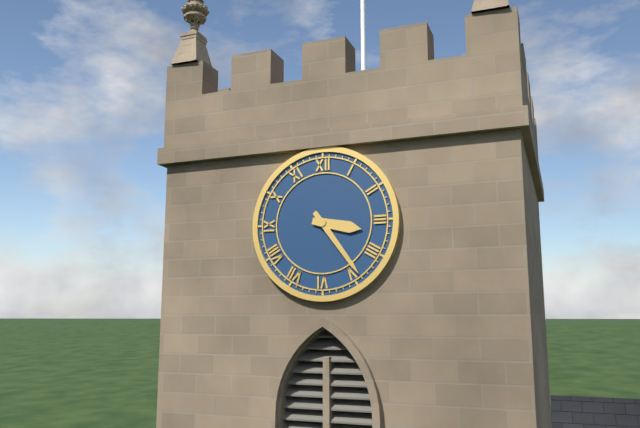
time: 3:24
